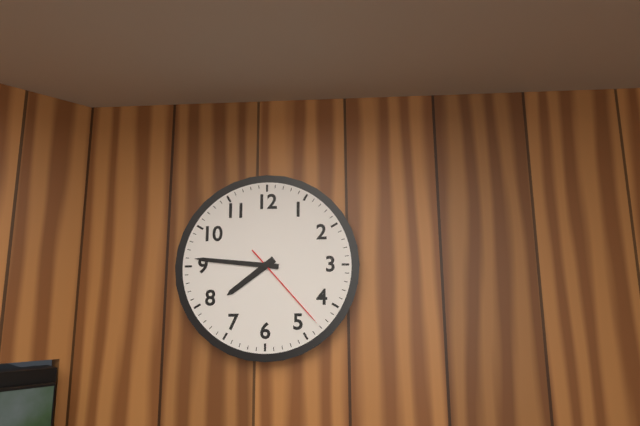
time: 7:46:23
